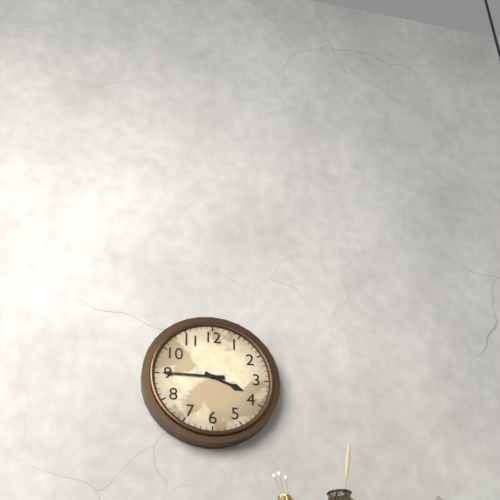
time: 3:45
